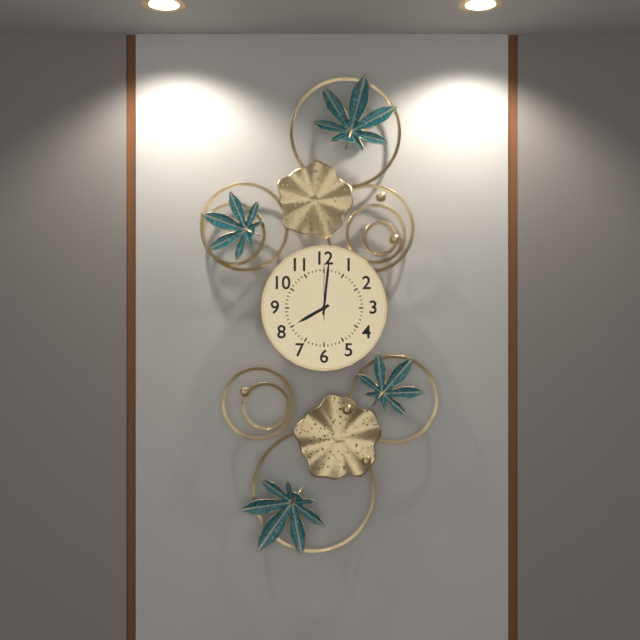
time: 8:01:00
